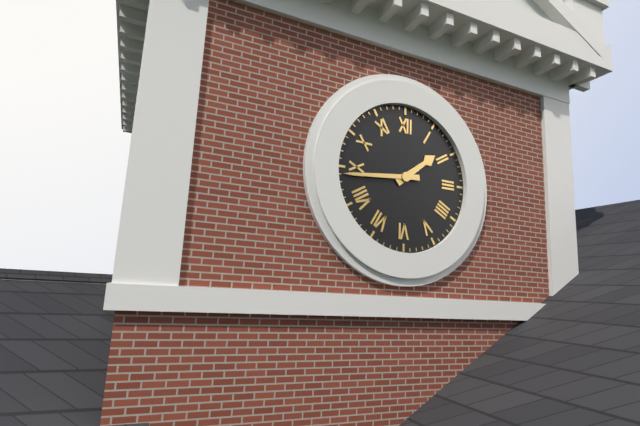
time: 1:44
